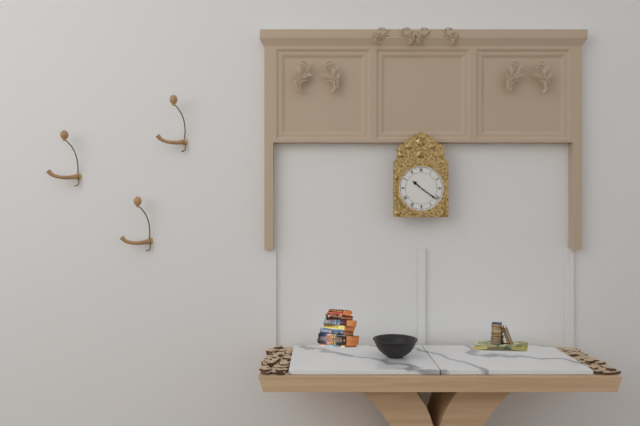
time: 10:21
